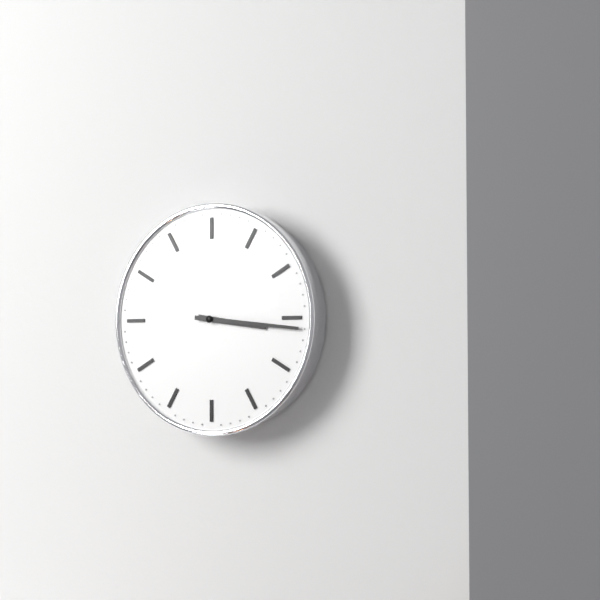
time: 3:16
